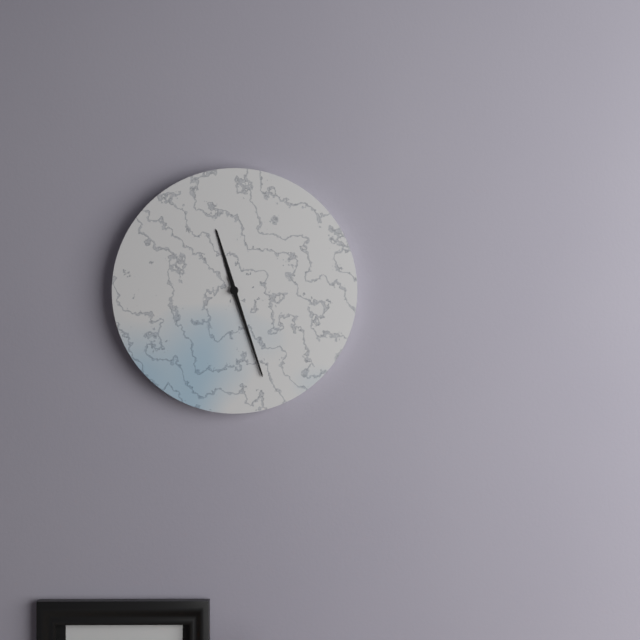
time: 11:27
